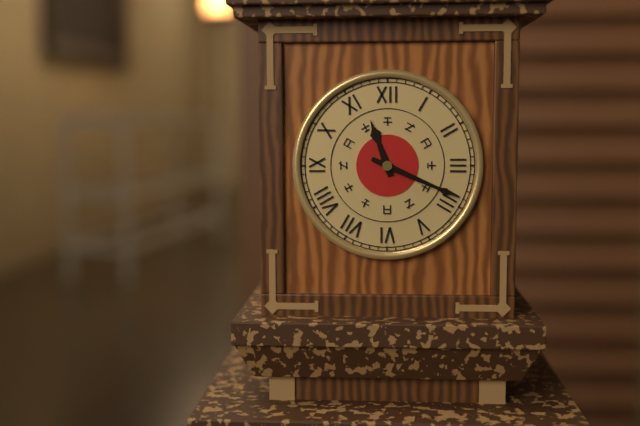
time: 11:19
